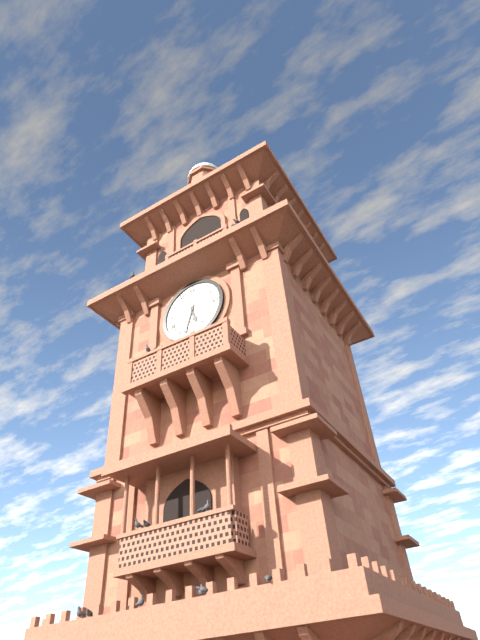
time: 5:33
